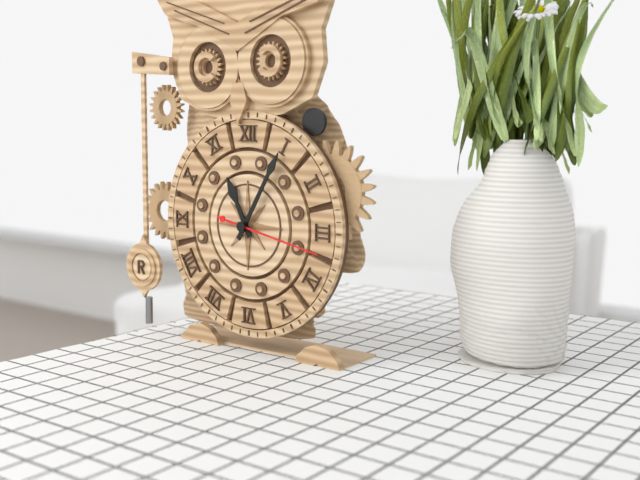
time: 11:05:17
